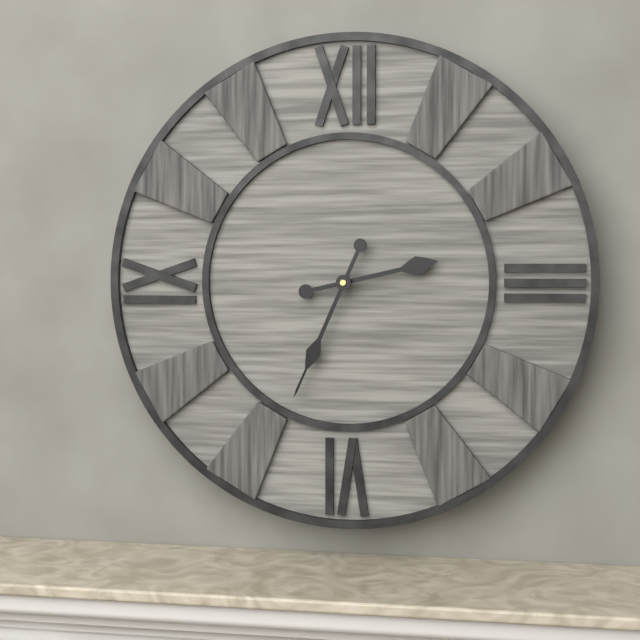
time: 2:34
